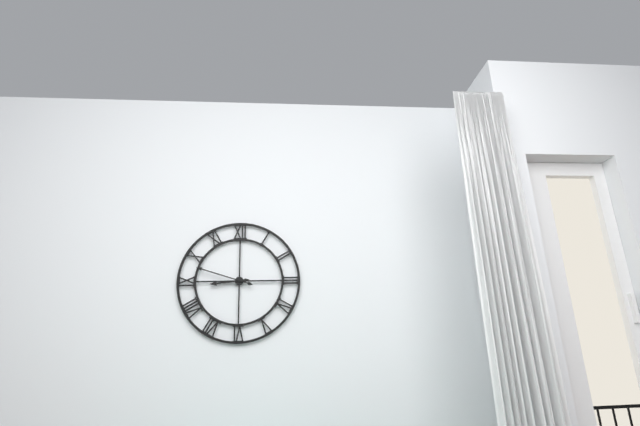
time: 8:48
